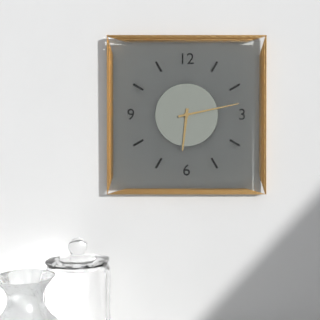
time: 6:13
